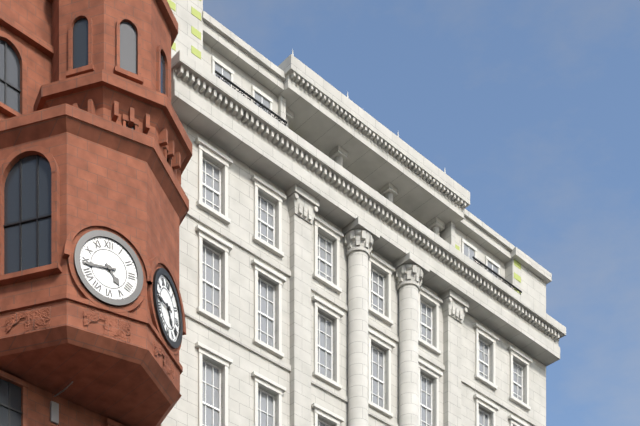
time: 4:44
